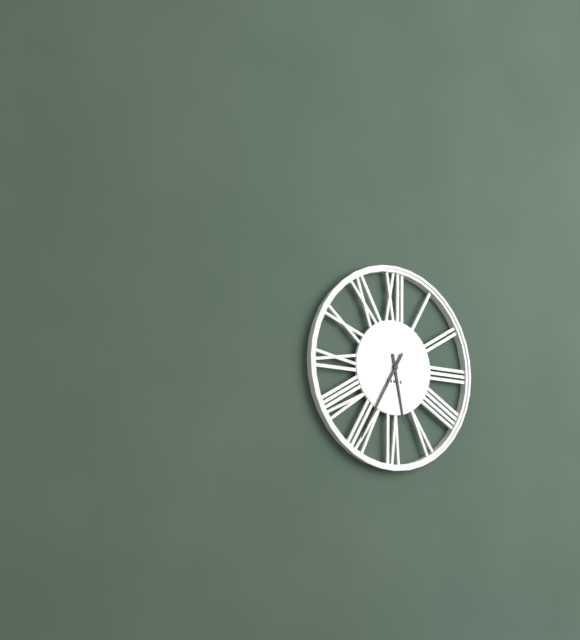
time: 5:35
